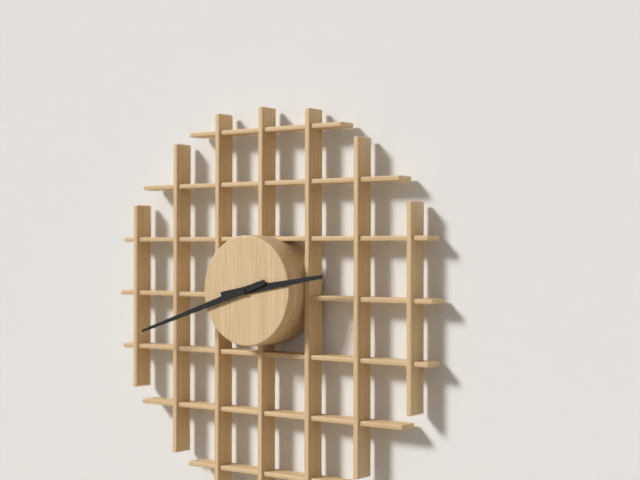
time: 2:42
